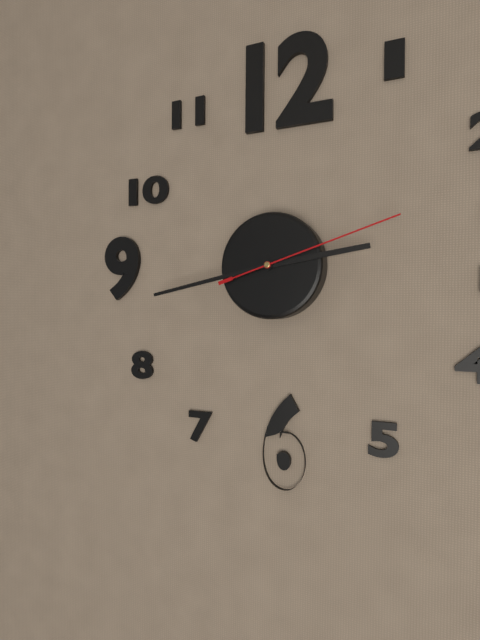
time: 2:43:12
